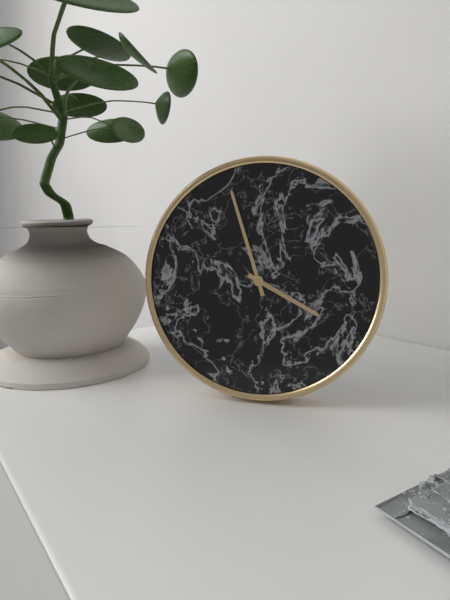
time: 3:57
